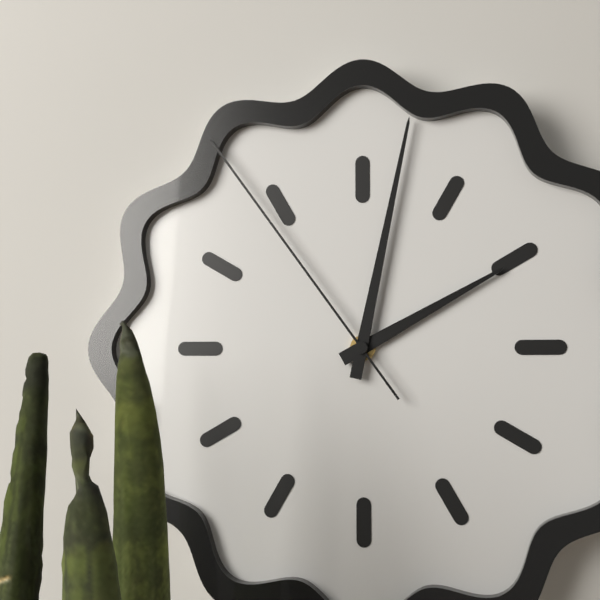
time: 2:02:54
